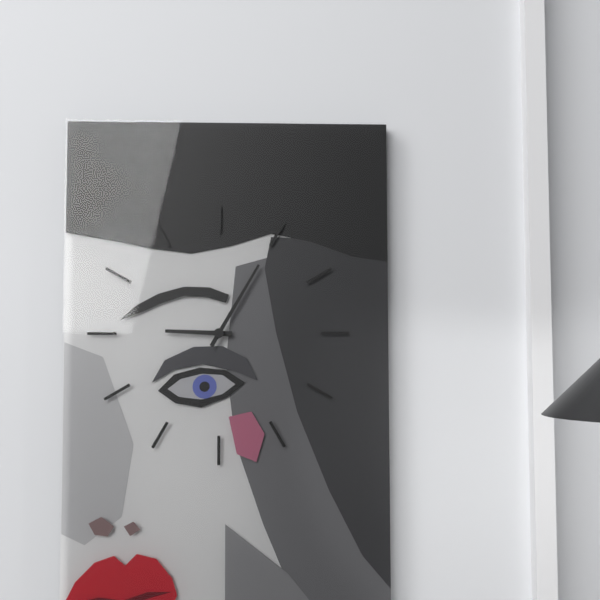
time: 9:05
